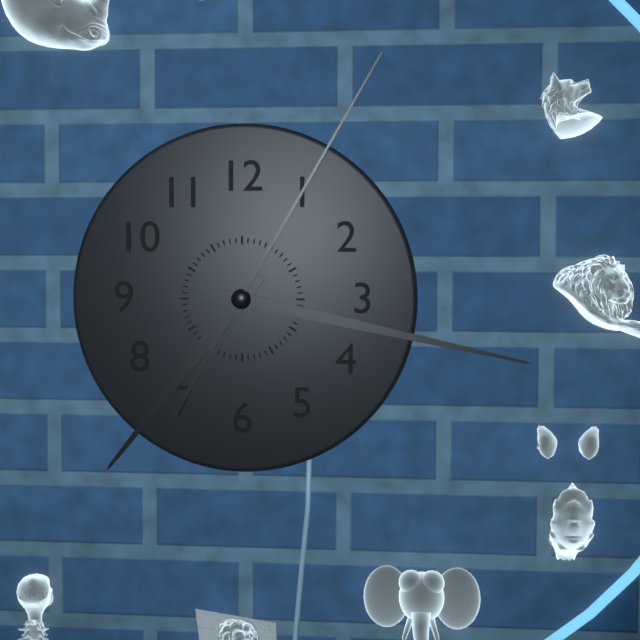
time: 7:17:05
